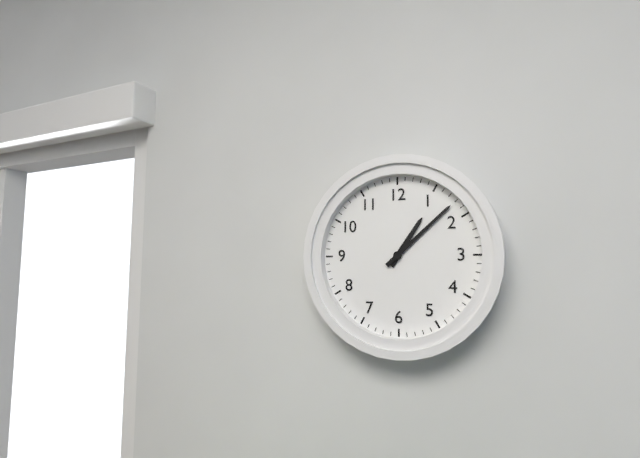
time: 1:08
